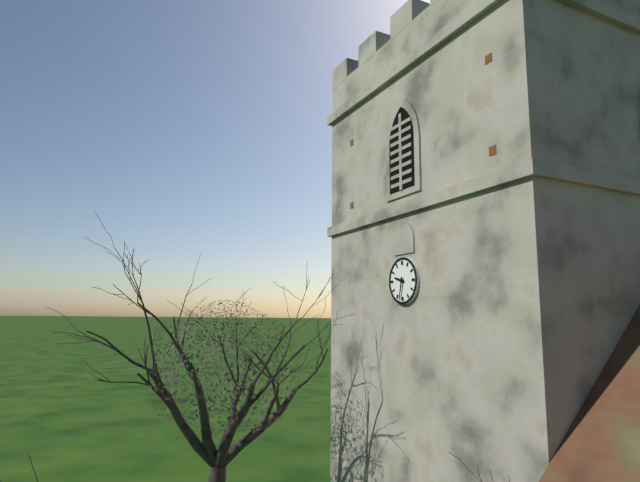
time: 9:32
